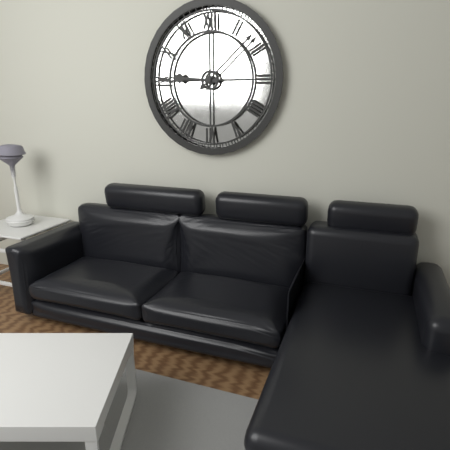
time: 9:08
